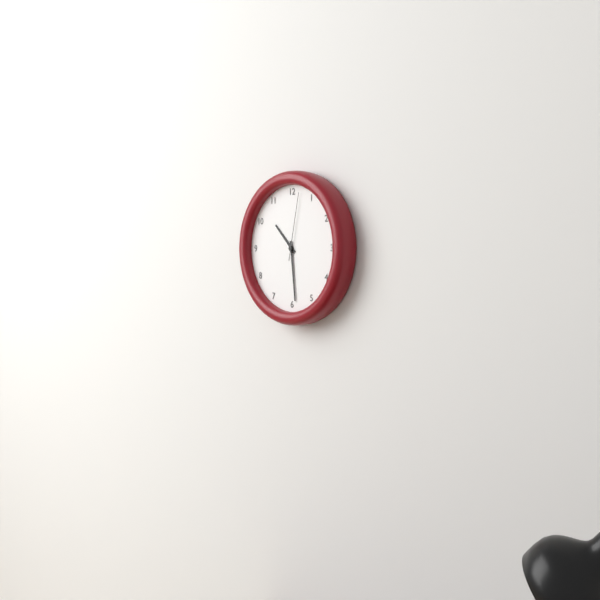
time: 10:29:02
